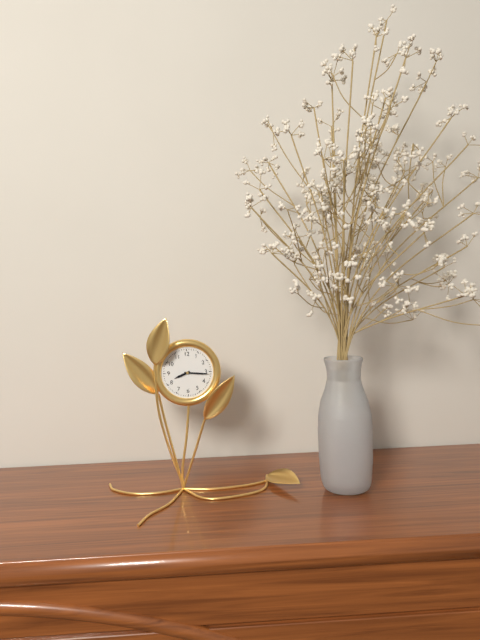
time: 8:16
